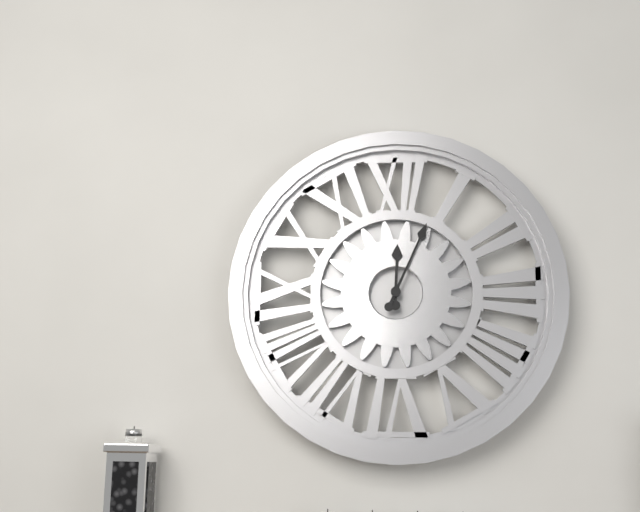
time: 12:04
